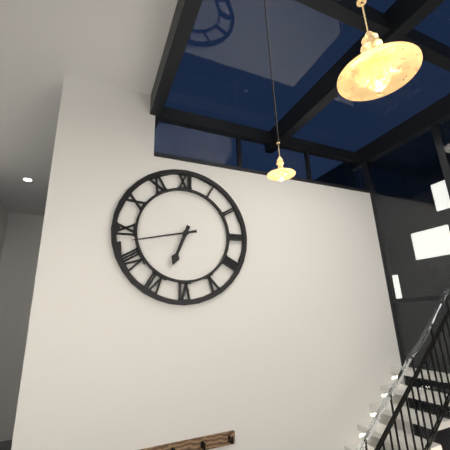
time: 6:43
